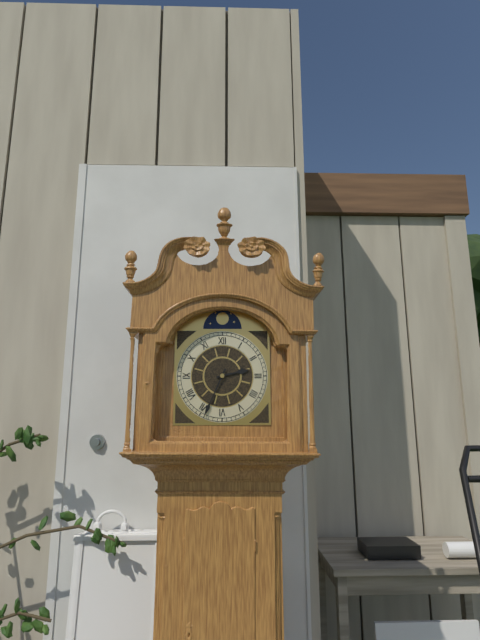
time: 2:34
